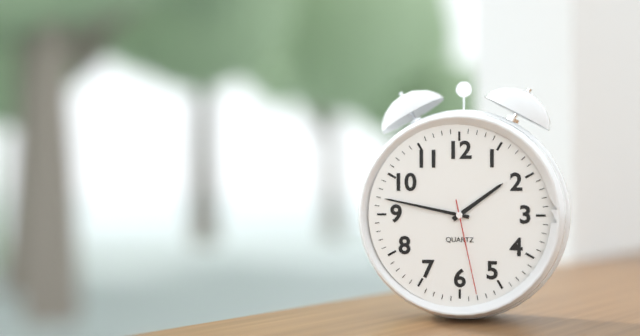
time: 1:47:28
